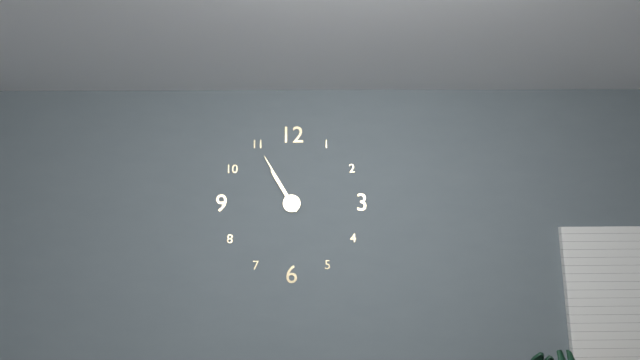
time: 10:55
